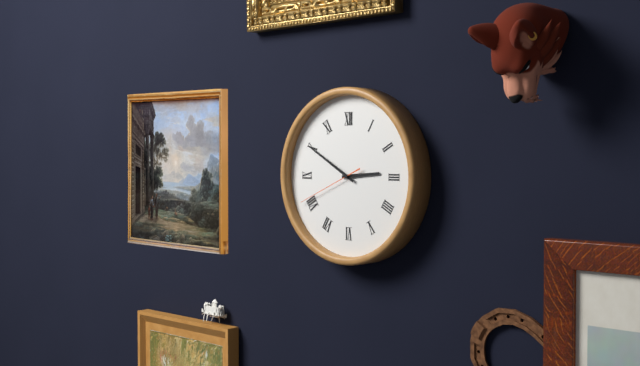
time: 2:50:41
